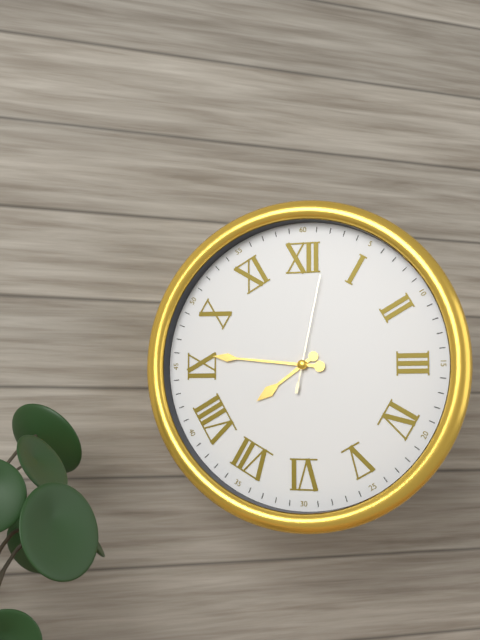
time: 7:46:02
